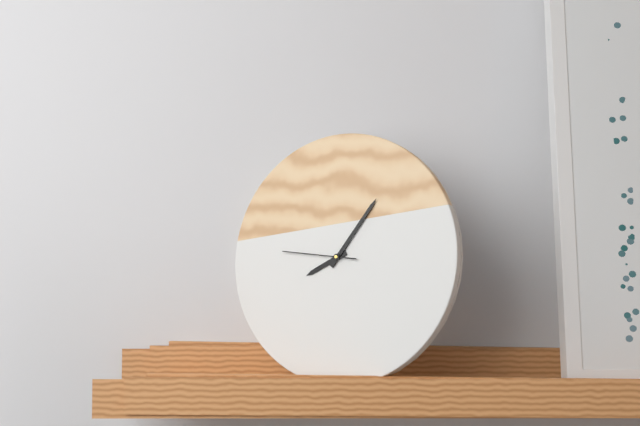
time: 8:06:46
